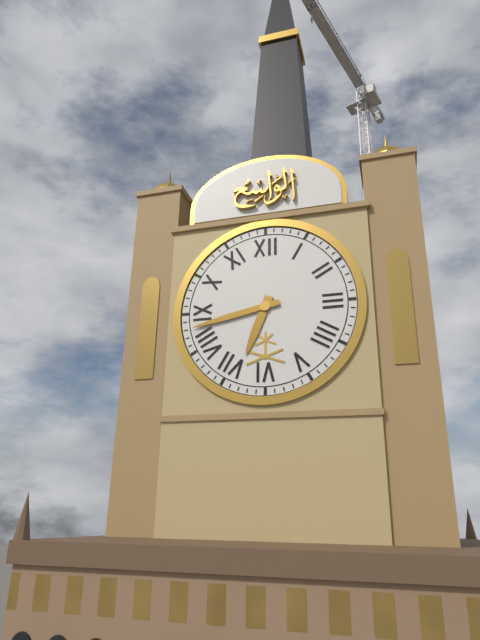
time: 6:43
